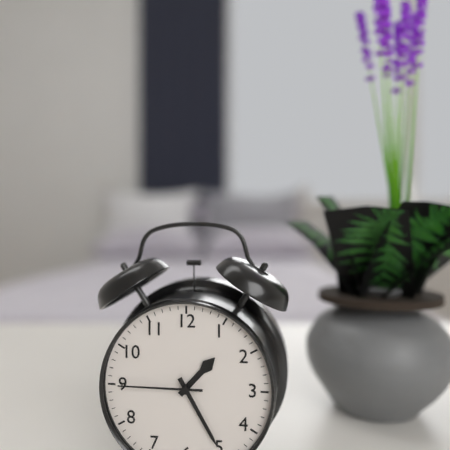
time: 1:25:45
